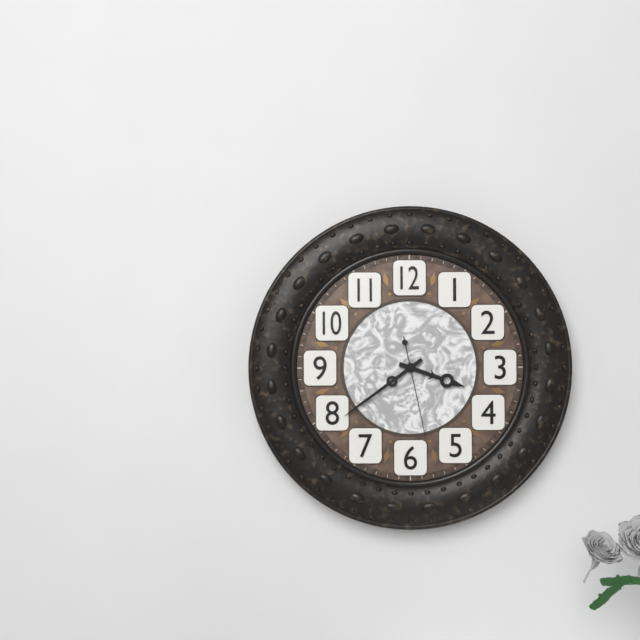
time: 3:39:28
